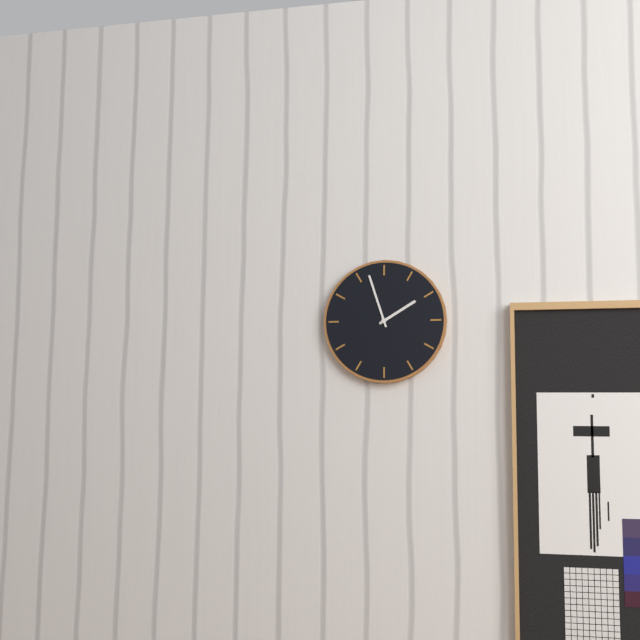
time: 1:57
